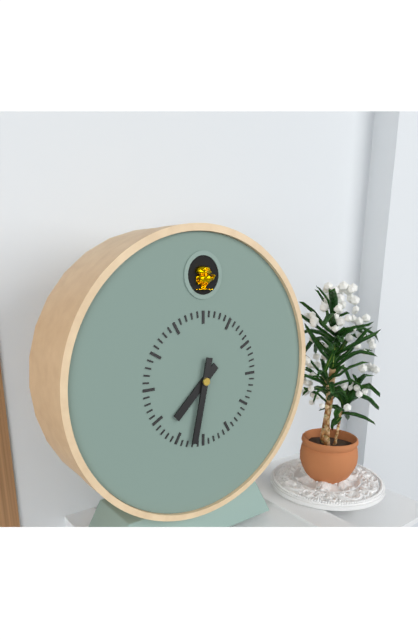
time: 7:32
